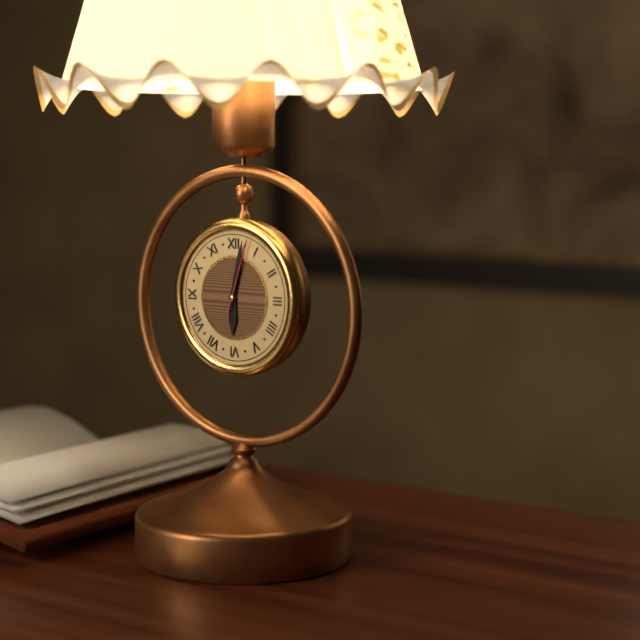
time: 6:02:03
